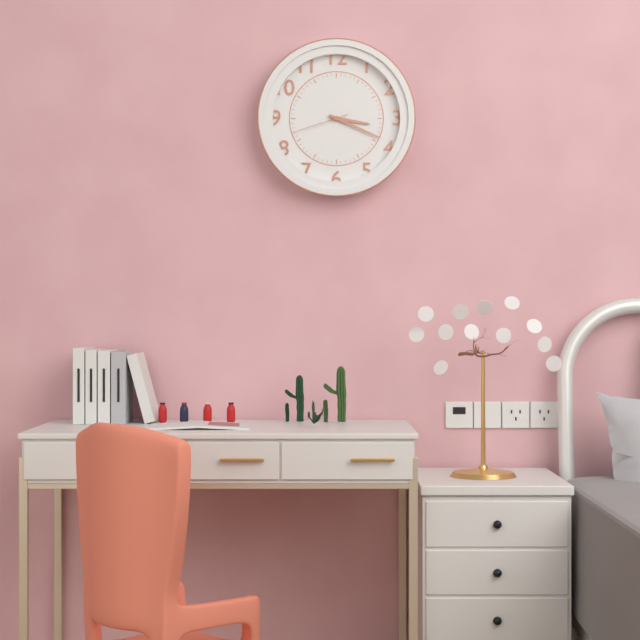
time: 3:19:42
